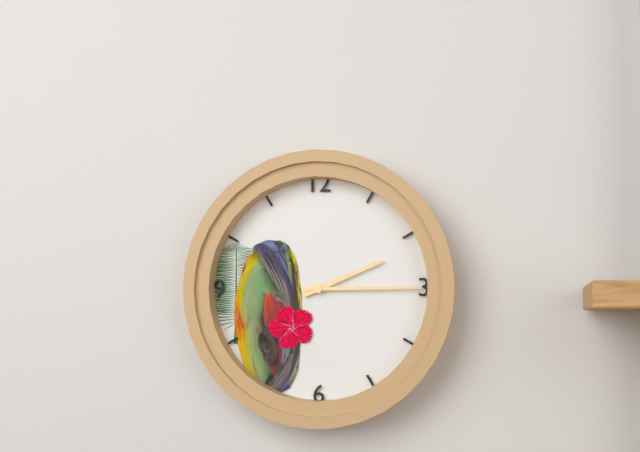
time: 2:15
